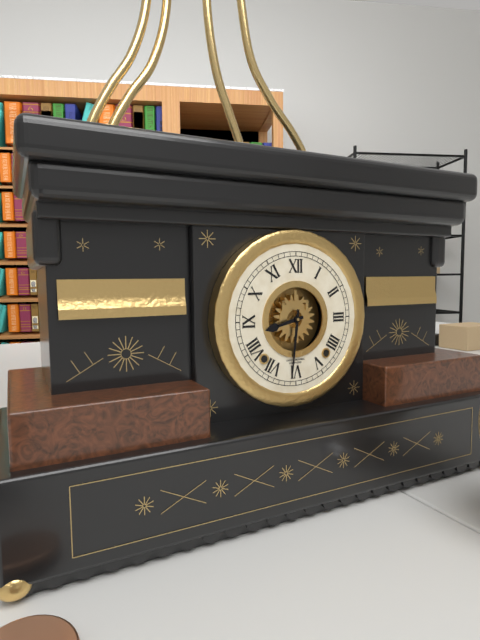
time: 8:31
